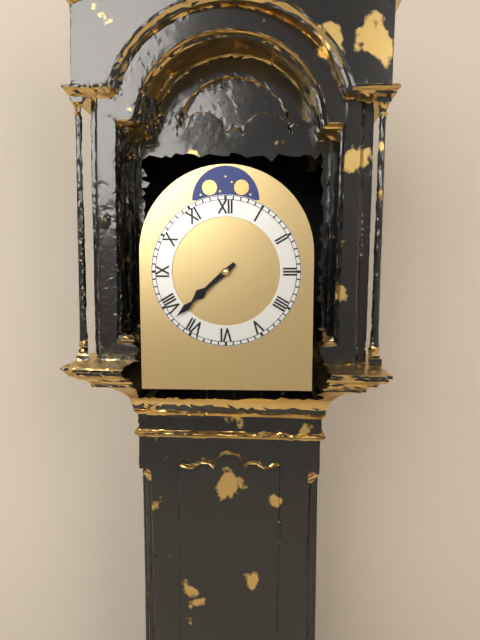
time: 7:38
